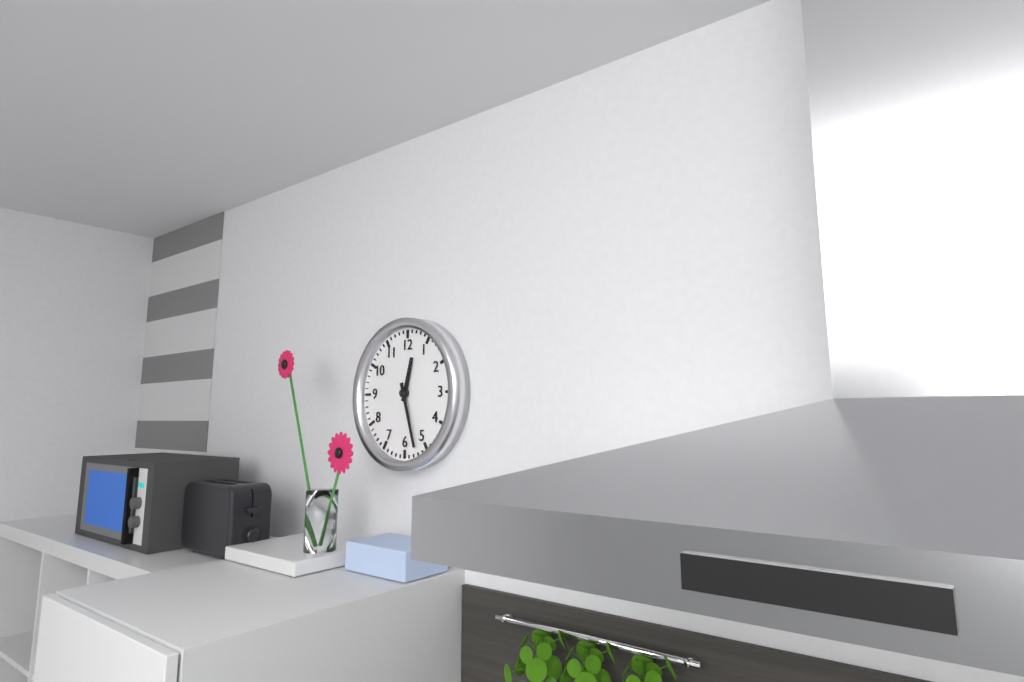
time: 12:27
